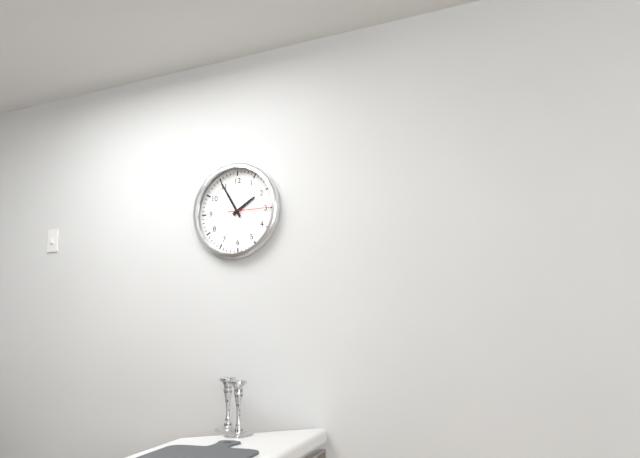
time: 1:55
